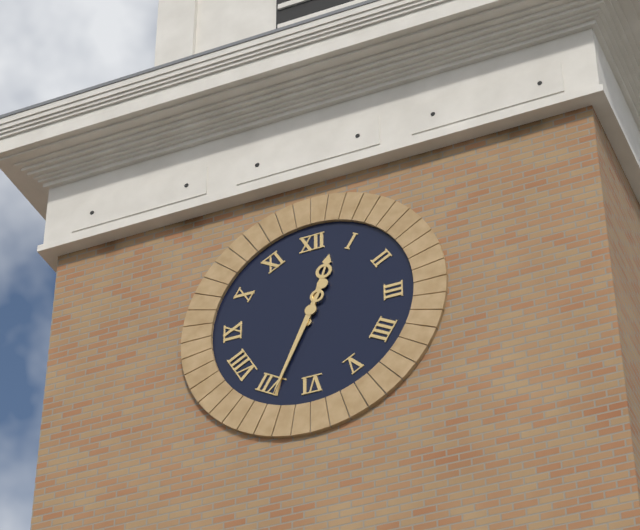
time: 12:34
